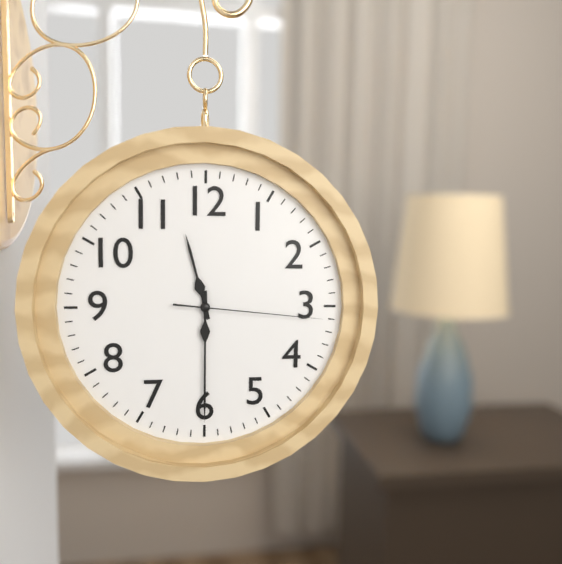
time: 11:30:16
